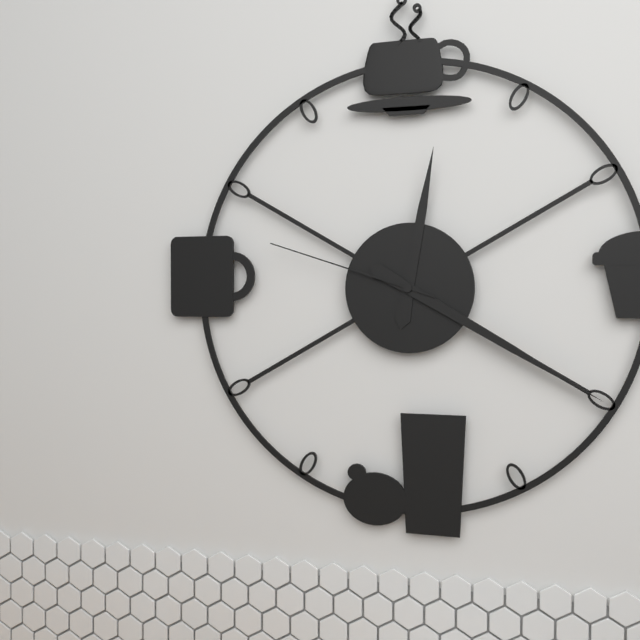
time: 12:20:48
